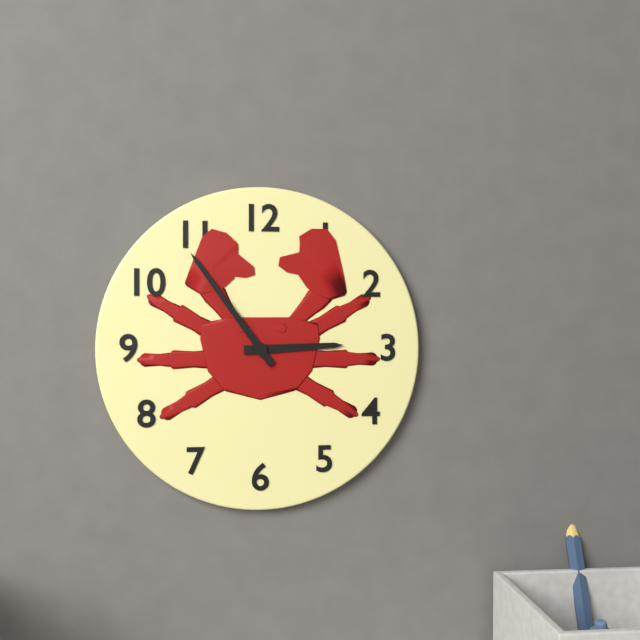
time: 2:54
